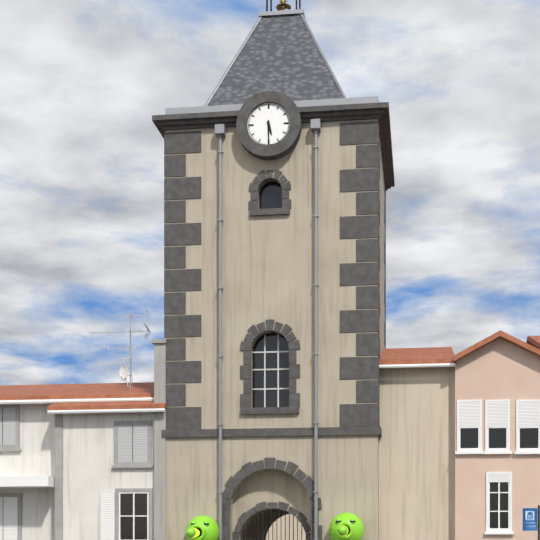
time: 5:30
